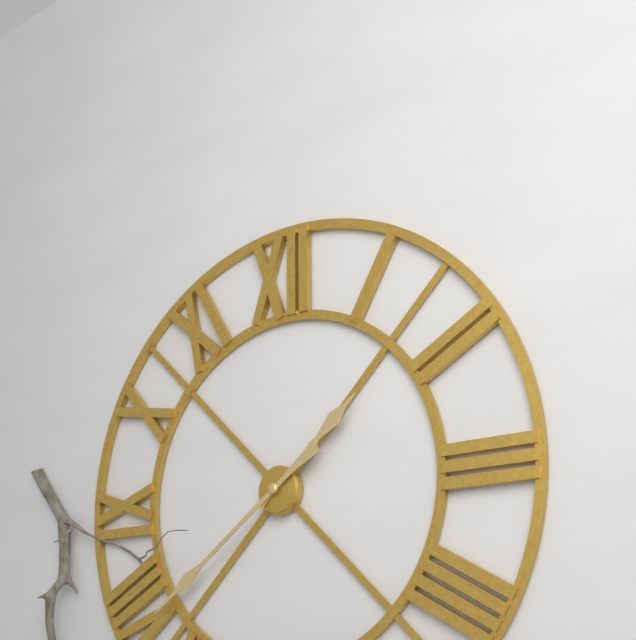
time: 1:39
